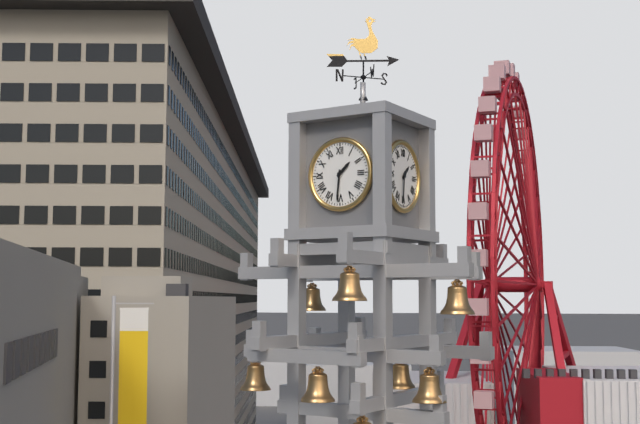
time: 1:31
